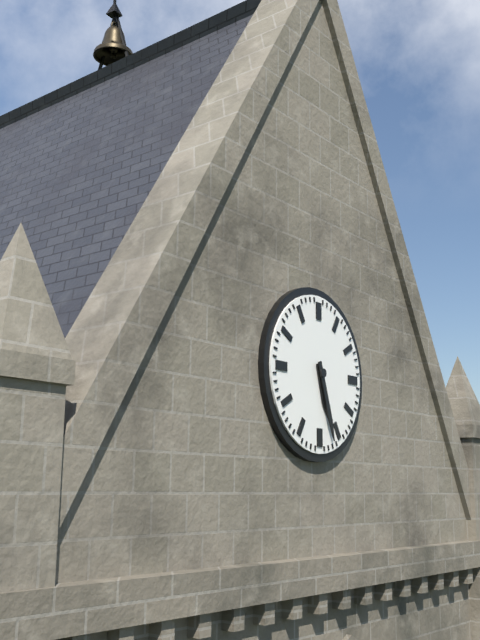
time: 5:27
